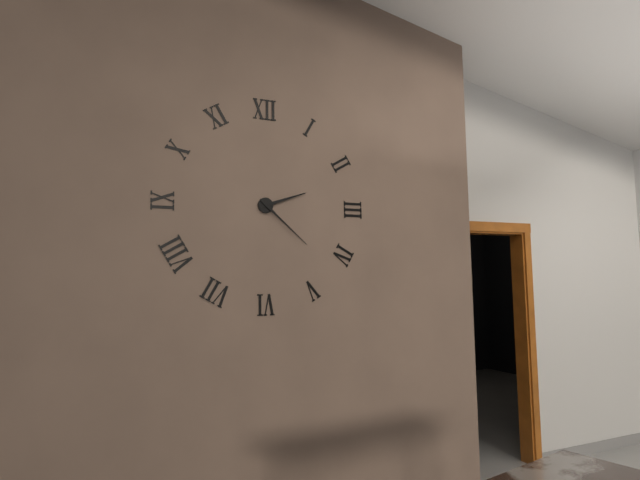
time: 2:22
